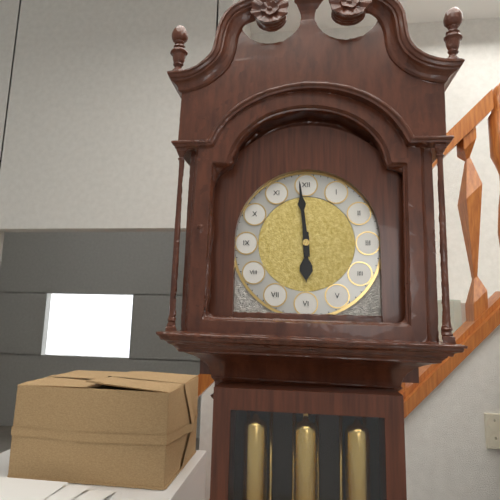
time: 5:59
